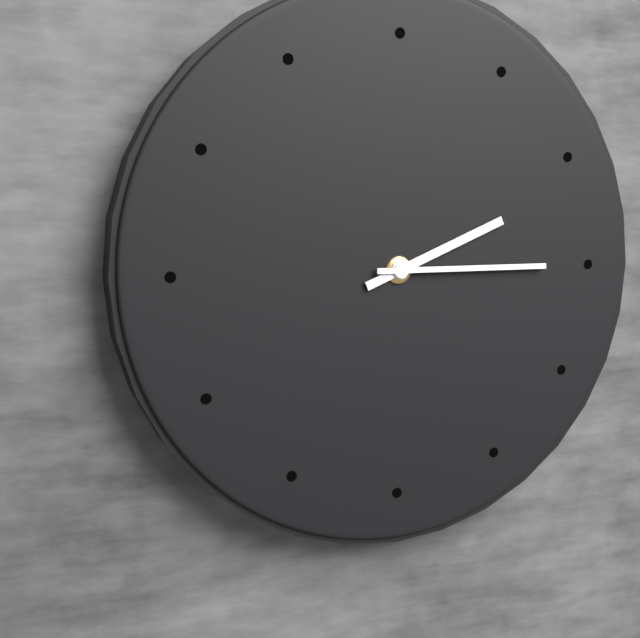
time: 2:15
